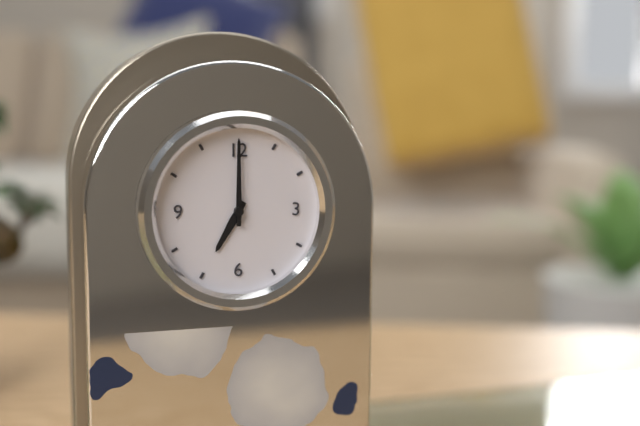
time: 7:00
